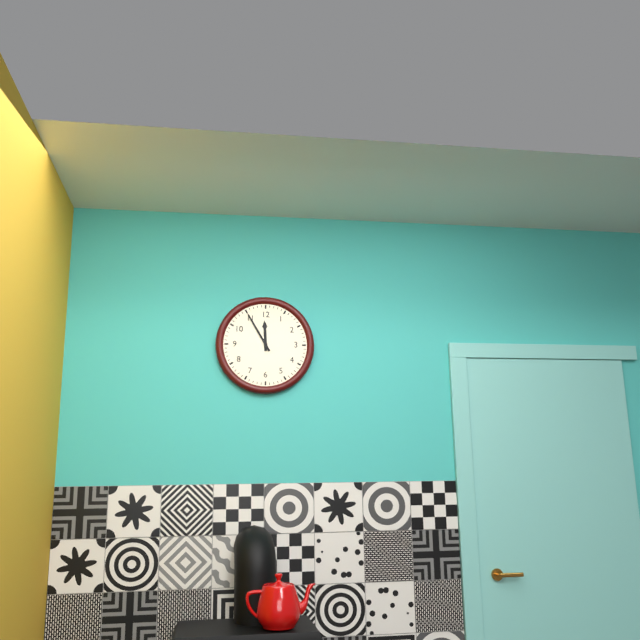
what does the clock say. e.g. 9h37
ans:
11h55
